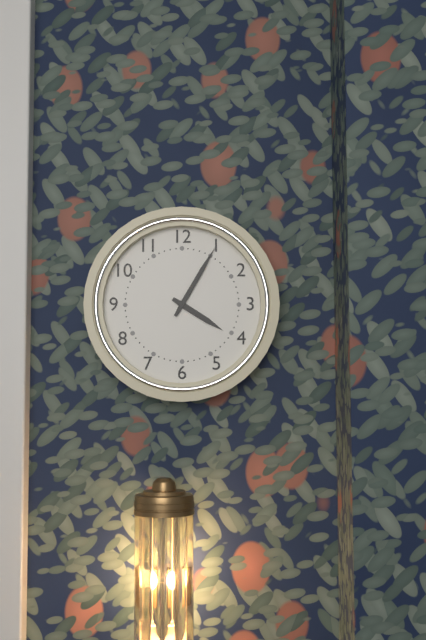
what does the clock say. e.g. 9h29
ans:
4h05
